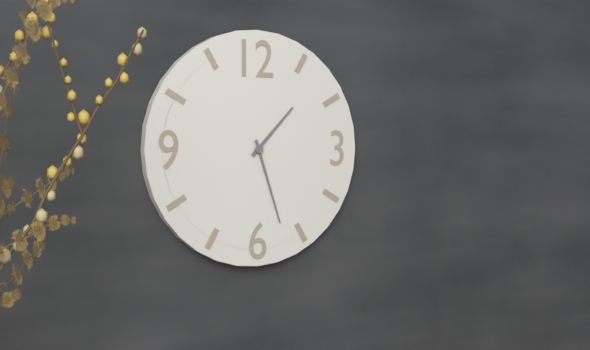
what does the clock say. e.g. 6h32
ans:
1h27
